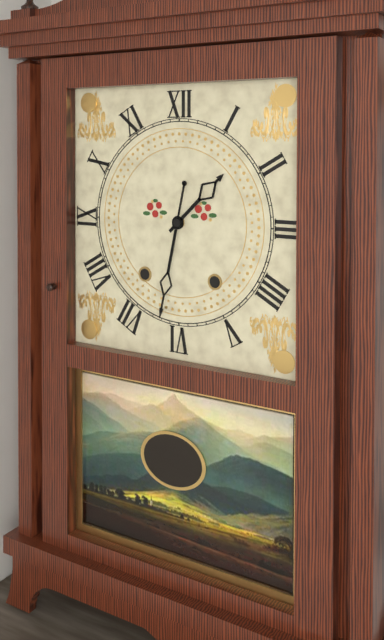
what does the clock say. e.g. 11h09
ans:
1h32
